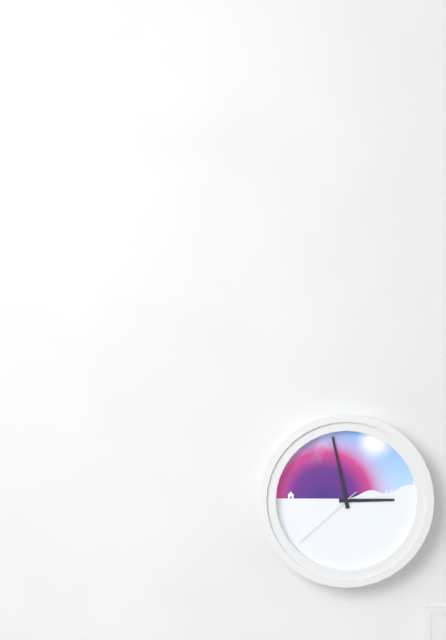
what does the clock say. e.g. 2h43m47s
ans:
2h58m38s
